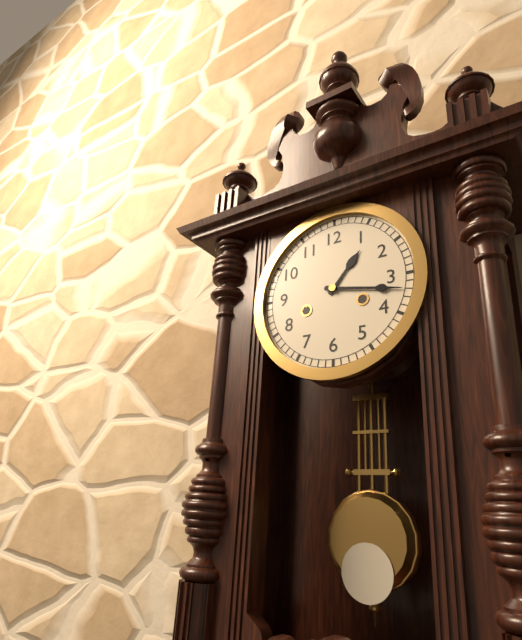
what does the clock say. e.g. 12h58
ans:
1h17
